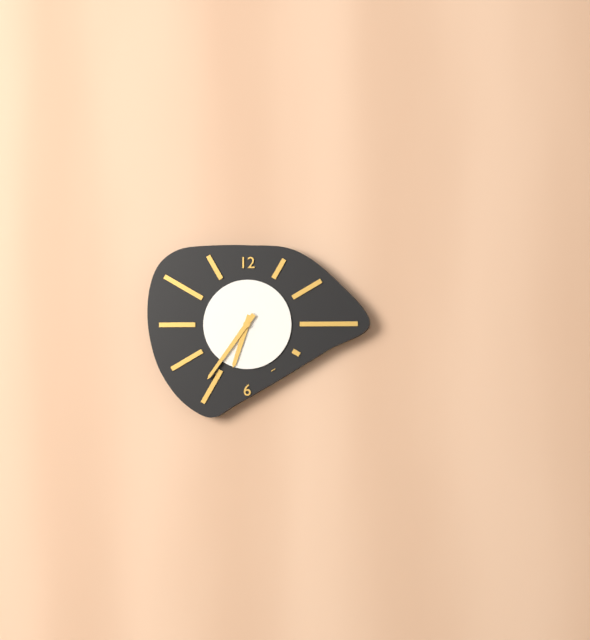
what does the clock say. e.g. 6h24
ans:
6h36
